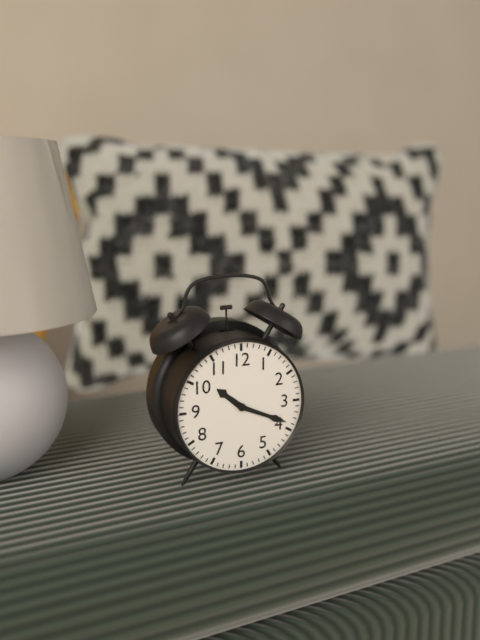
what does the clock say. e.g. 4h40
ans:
10h19
